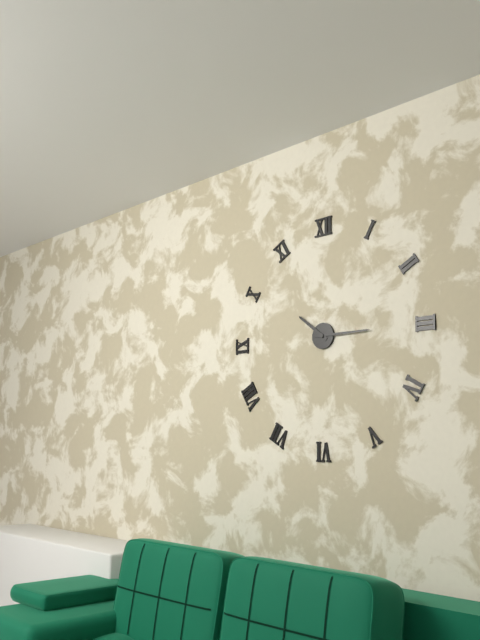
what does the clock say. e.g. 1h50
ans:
10h15
